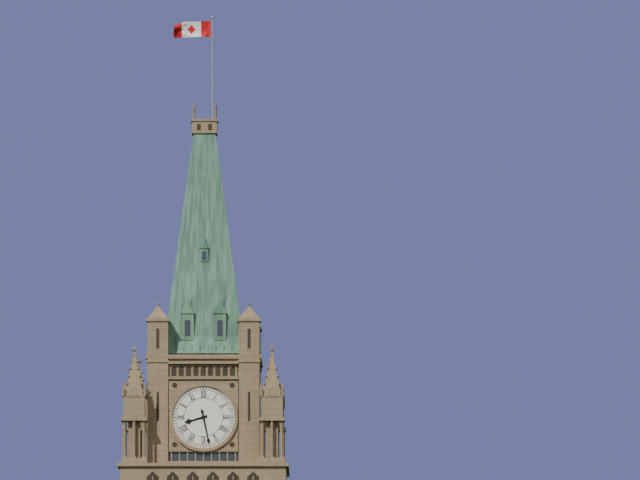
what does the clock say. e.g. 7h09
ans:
8h28
